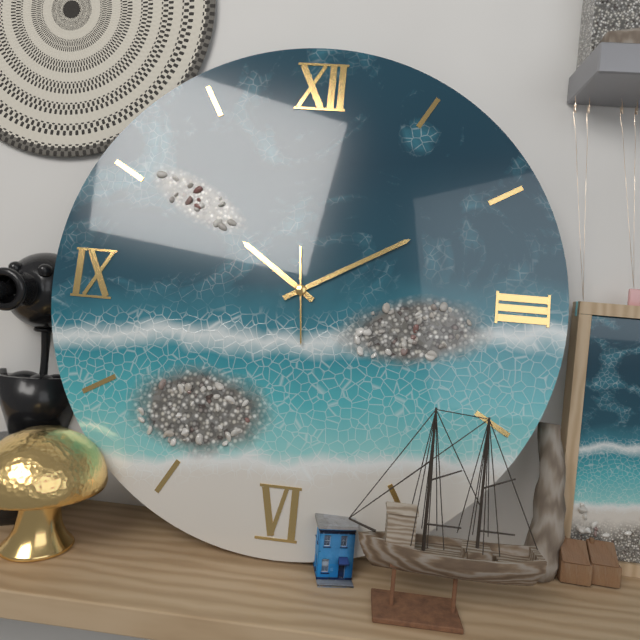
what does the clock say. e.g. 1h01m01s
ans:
10h10m29s
